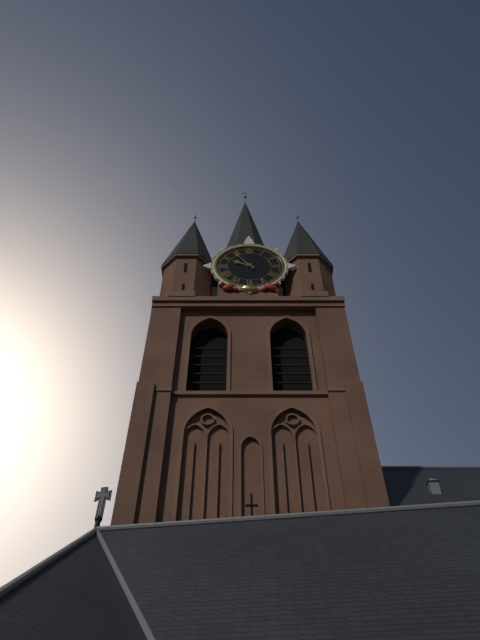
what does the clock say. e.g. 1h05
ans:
9h54
